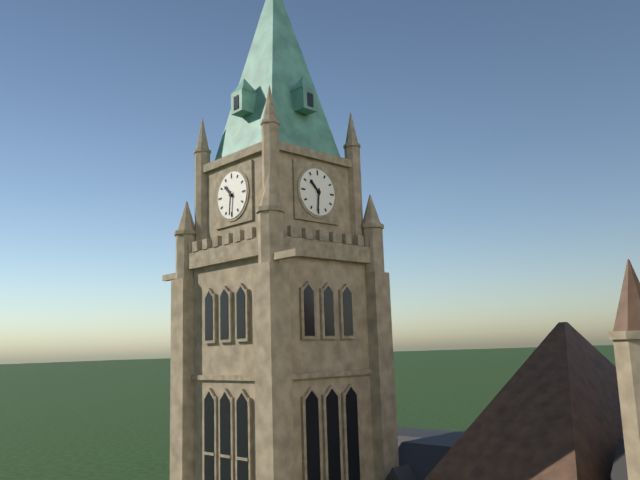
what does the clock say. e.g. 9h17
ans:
10h31
